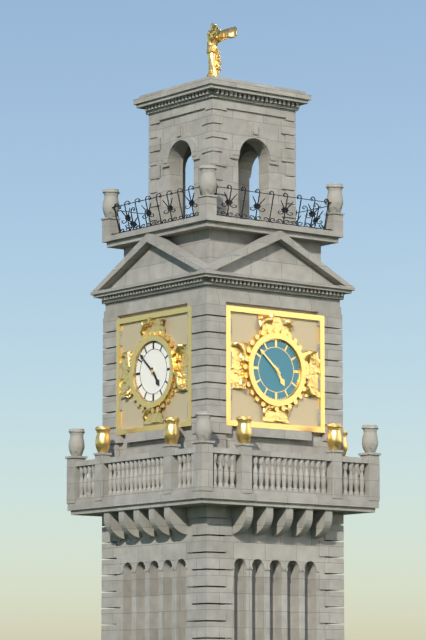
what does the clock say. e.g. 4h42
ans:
4h52
